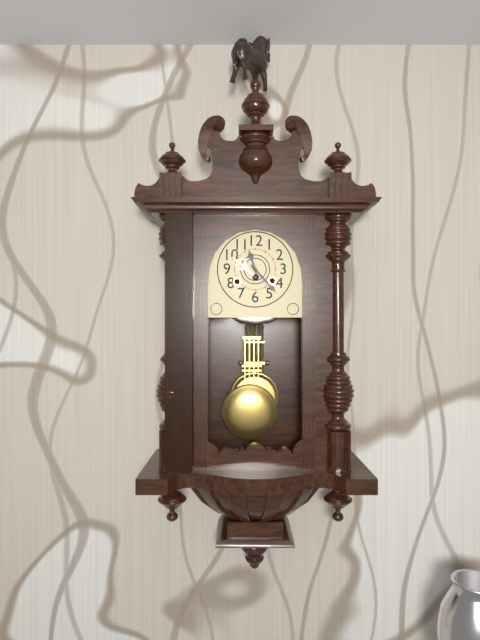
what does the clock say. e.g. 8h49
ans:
11h23
